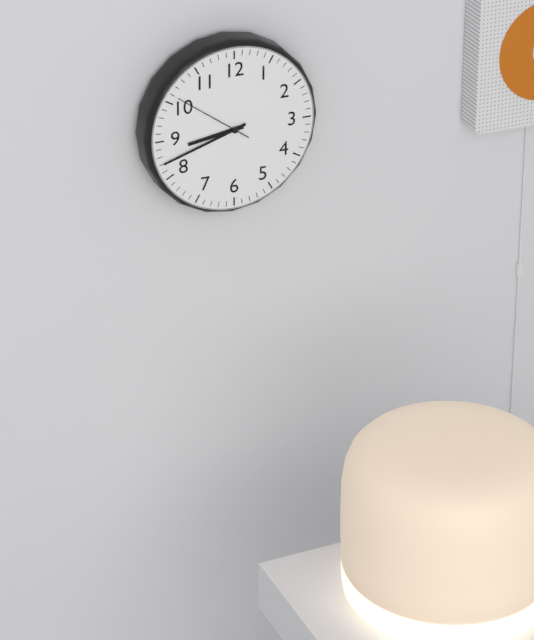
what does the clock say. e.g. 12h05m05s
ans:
8h42m51s
